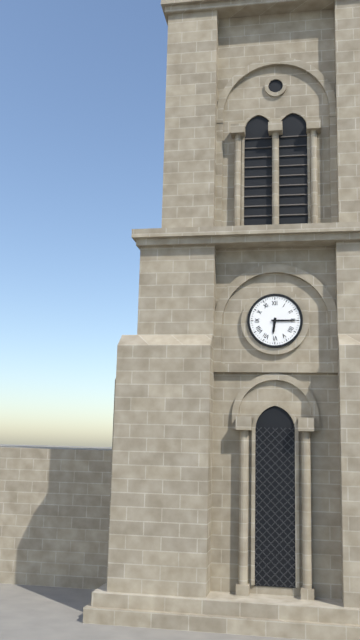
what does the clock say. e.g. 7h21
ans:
6h15
